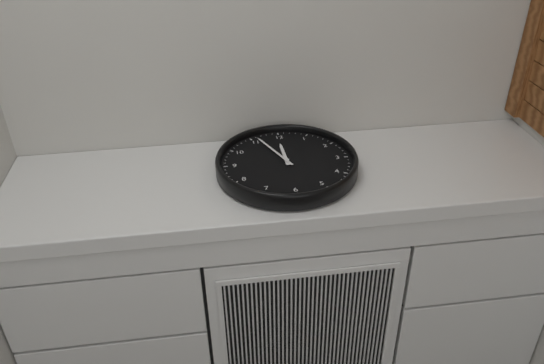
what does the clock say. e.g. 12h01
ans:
11h56
